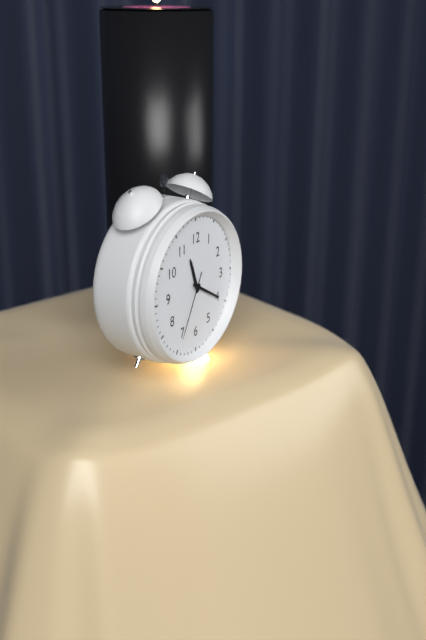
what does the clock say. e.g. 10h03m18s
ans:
11h20m35s
